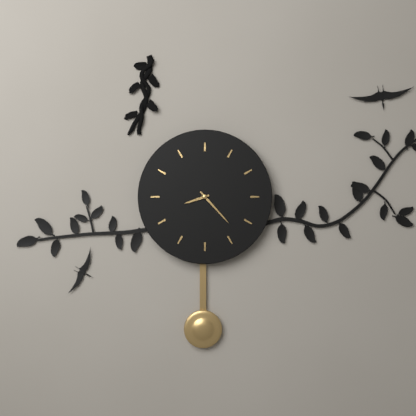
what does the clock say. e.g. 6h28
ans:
8h23
